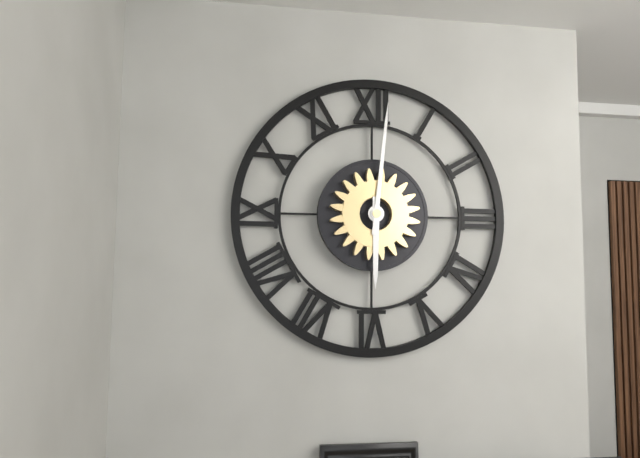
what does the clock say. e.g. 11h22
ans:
6h01
